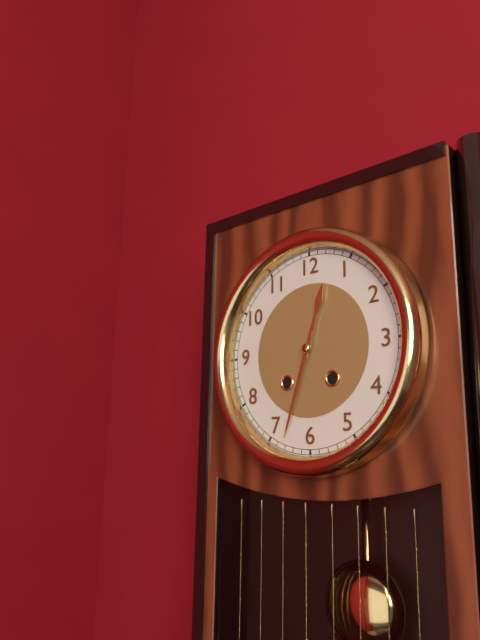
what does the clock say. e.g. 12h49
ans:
12h33
